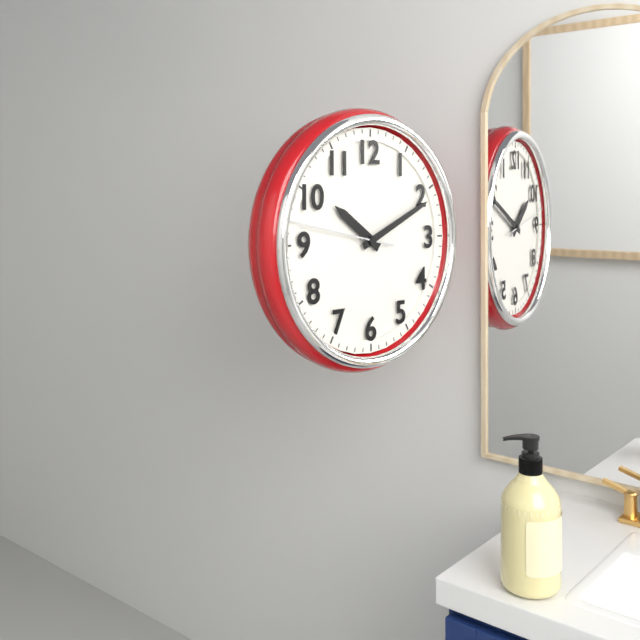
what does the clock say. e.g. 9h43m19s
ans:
10h11m47s
